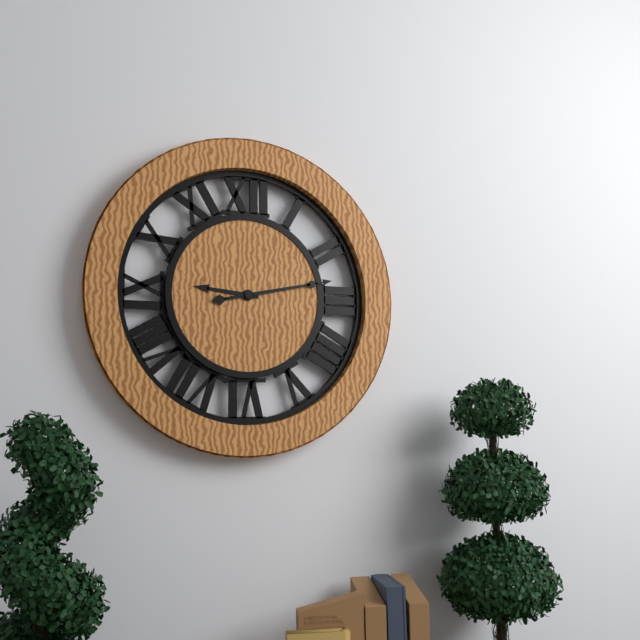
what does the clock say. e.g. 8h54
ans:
9h13
